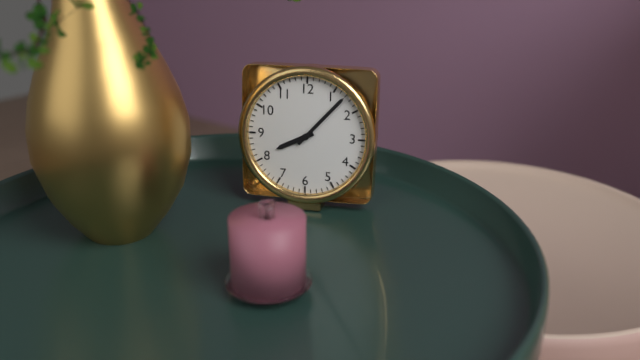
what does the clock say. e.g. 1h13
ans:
8h07
